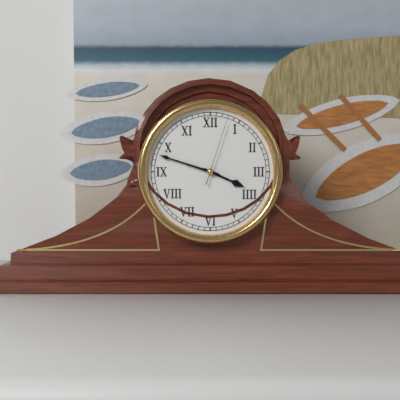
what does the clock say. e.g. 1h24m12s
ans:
3h48m03s
